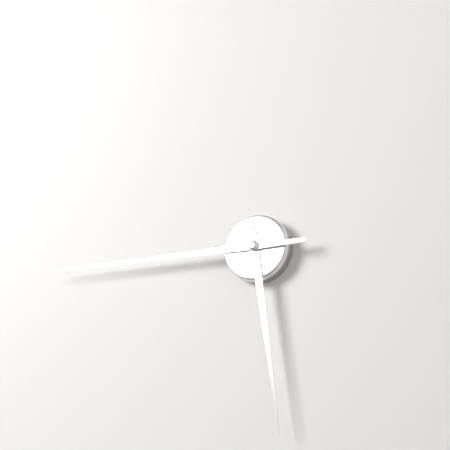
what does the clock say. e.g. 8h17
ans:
5h45
